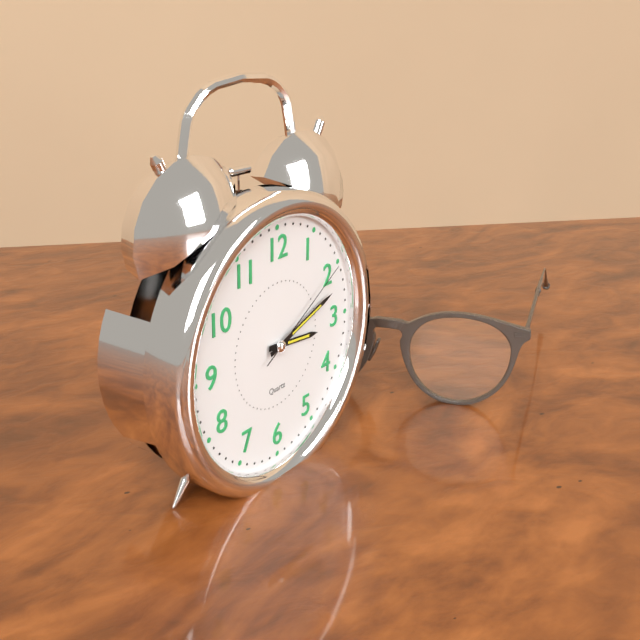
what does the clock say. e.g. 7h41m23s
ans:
3h12m10s
